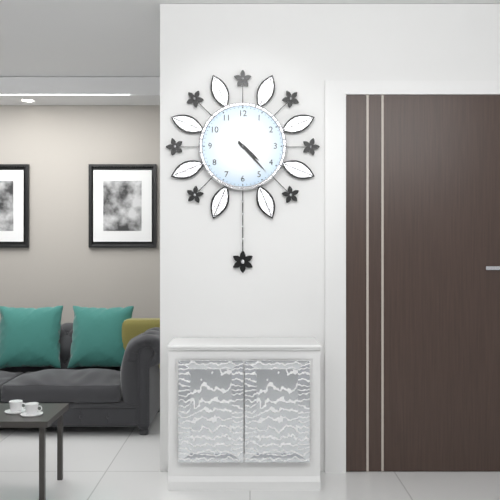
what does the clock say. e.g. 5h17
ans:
4h23
